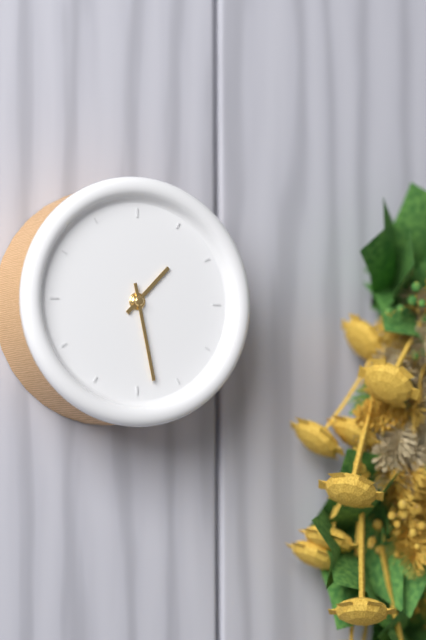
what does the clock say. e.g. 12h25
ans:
1h28
